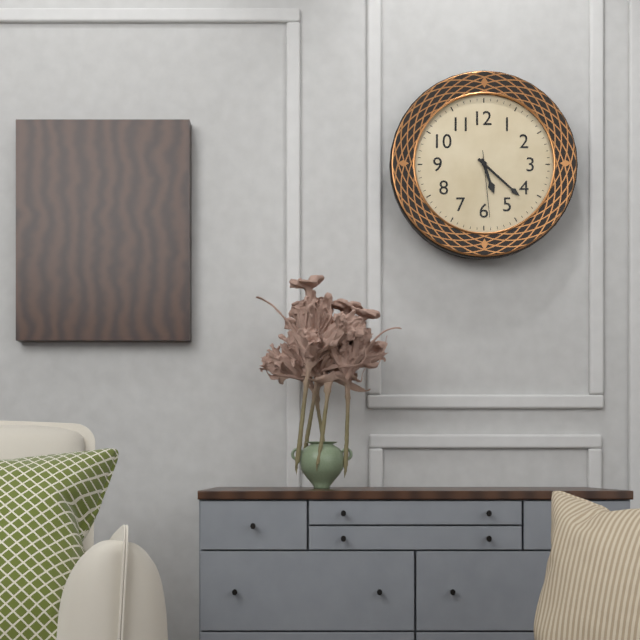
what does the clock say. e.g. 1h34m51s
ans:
5h22m29s
